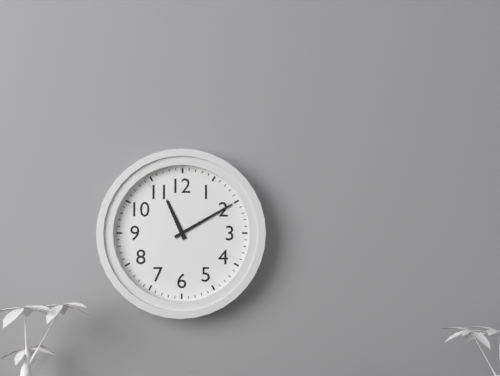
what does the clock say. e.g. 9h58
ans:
11h10
